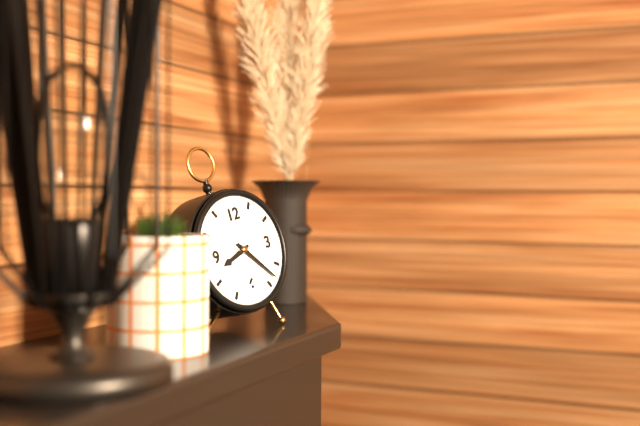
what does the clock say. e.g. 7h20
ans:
8h23
